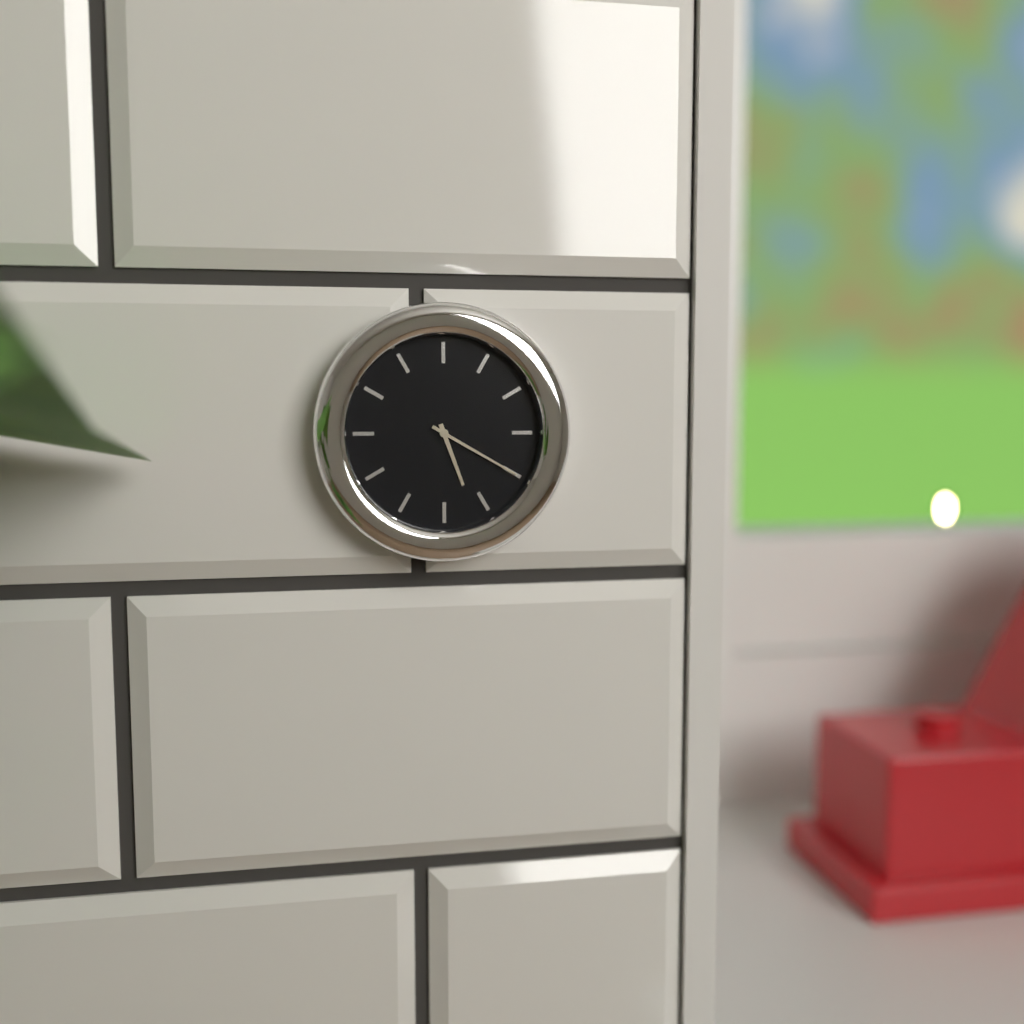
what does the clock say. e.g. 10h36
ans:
5h20
